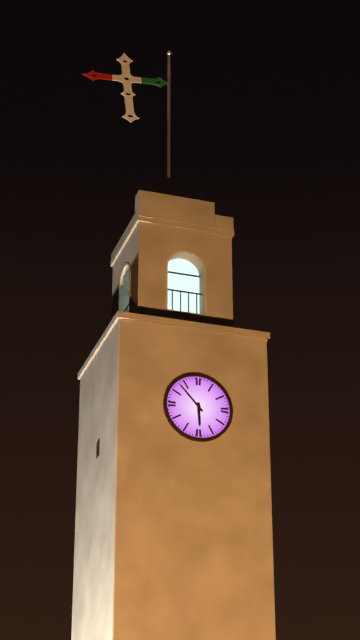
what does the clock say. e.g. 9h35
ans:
5h53
